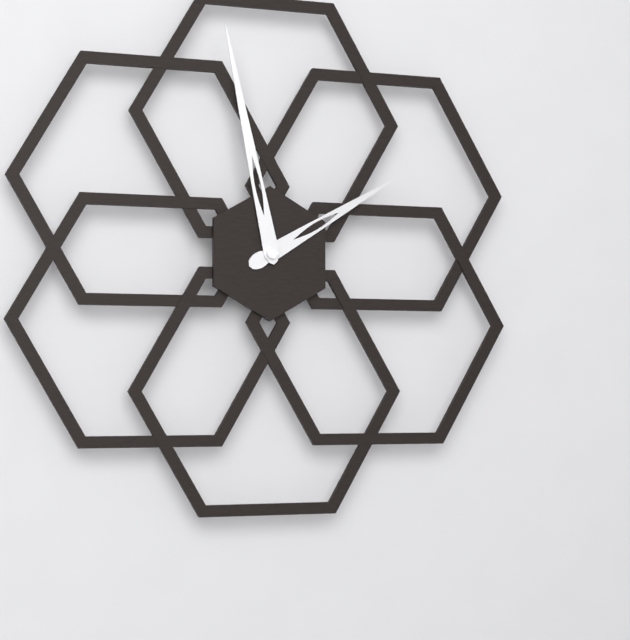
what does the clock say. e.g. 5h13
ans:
1h58
